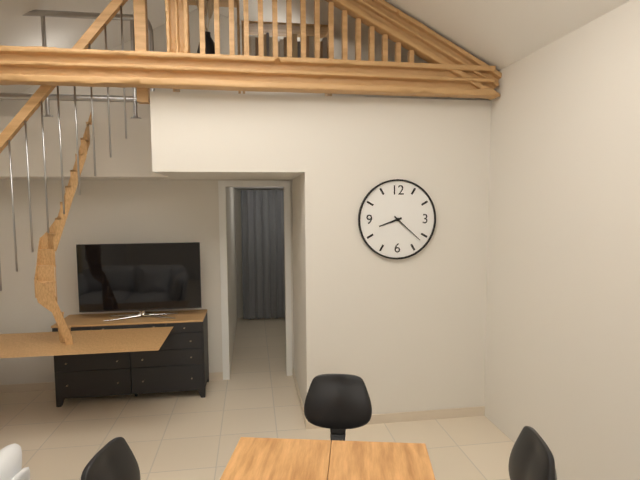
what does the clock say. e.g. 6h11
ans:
8h22
